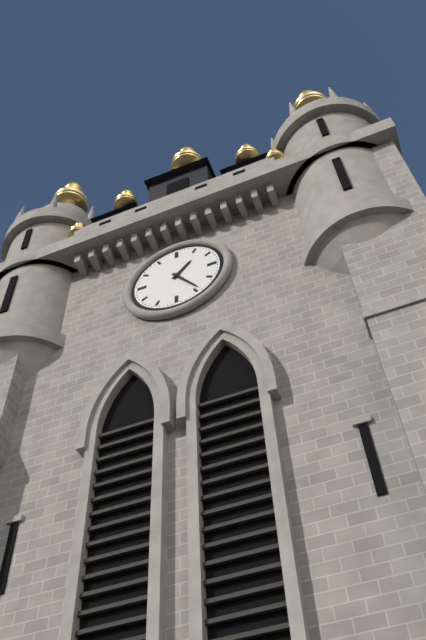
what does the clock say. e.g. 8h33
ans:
1h24
